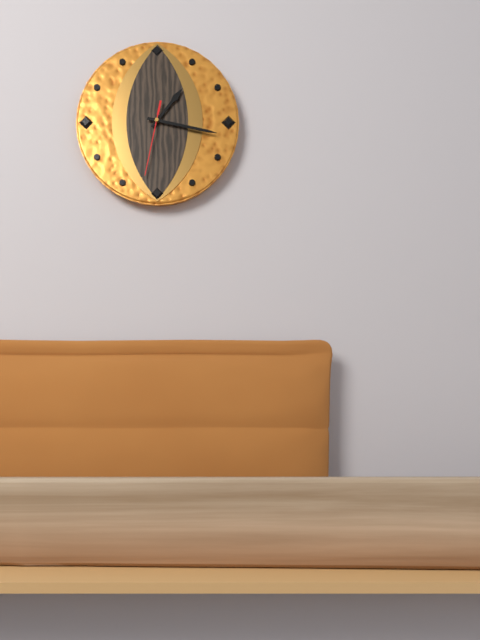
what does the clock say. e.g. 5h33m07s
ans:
1h17m32s
